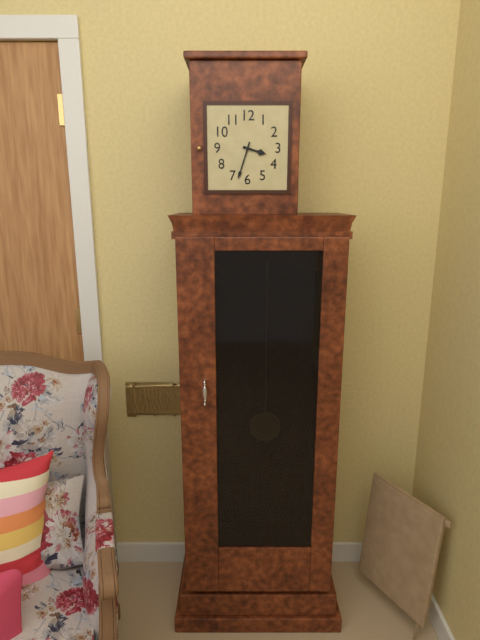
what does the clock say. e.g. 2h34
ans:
3h33
